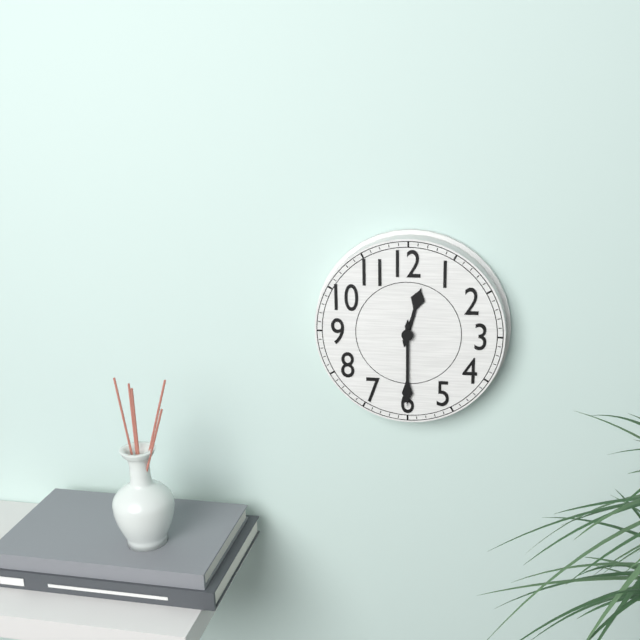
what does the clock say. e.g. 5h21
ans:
12h30
